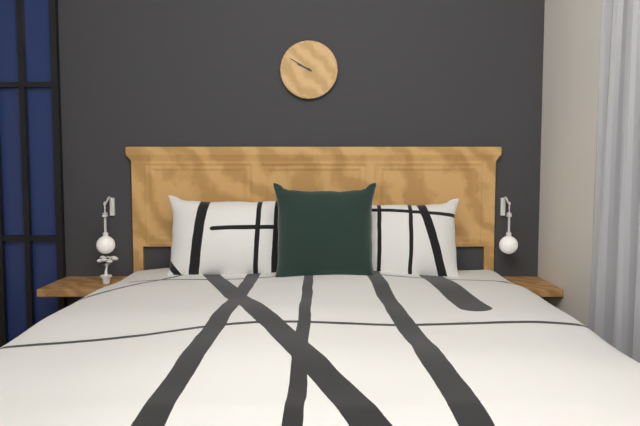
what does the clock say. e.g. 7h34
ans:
9h50
